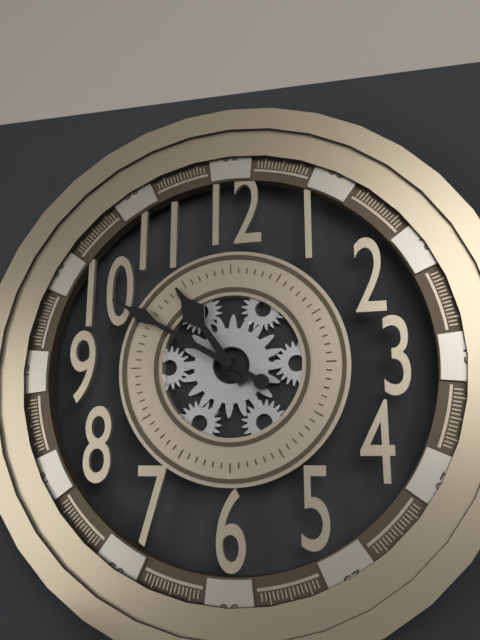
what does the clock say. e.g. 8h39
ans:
10h50
